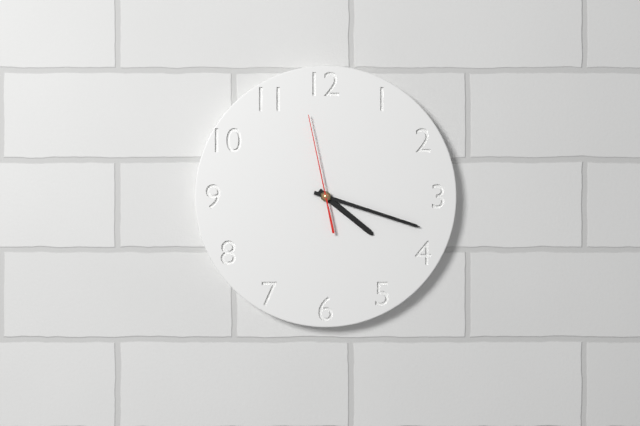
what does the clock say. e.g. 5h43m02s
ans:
4h18m58s
